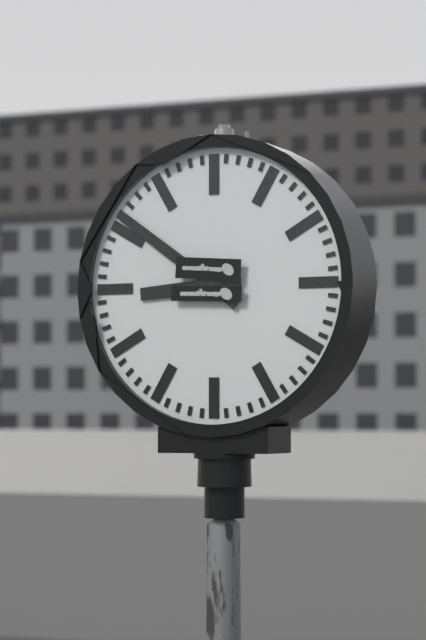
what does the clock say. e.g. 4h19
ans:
8h51
